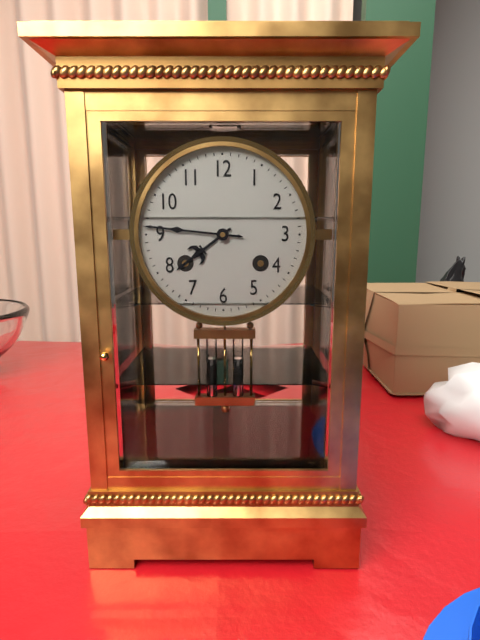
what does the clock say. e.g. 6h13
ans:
7h46
